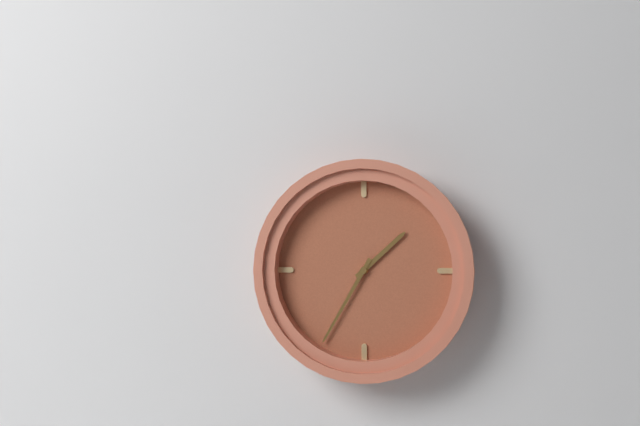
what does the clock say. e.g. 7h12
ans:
1h35
